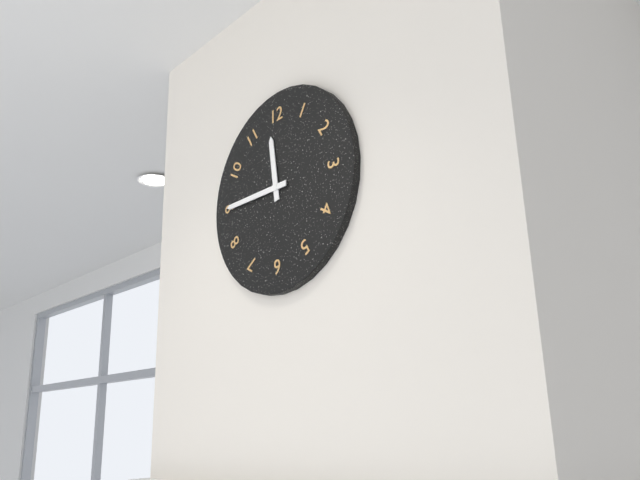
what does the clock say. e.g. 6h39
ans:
11h45
